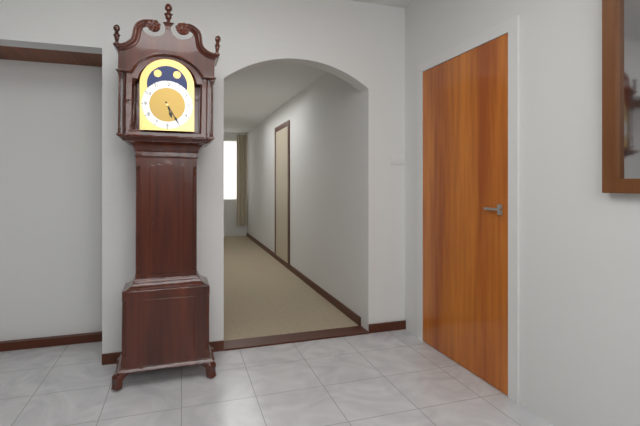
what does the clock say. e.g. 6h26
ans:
5h25
